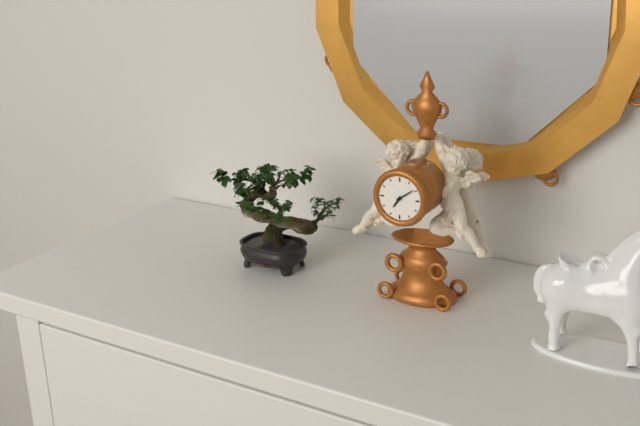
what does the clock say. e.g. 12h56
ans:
7h09
